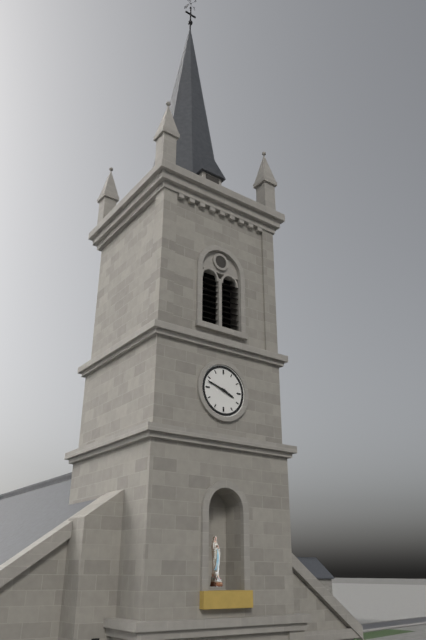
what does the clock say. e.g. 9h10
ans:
3h48
